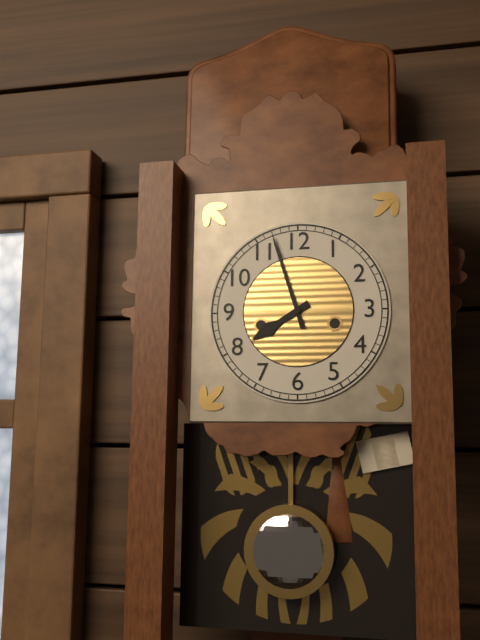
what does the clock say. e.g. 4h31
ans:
7h57
